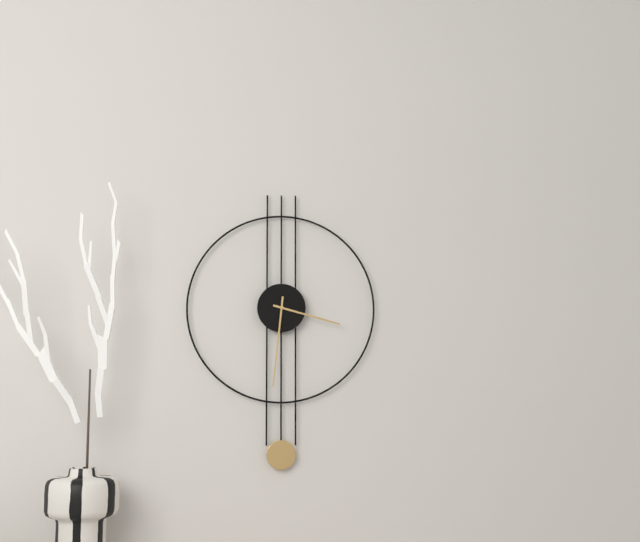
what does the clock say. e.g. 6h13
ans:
3h31
